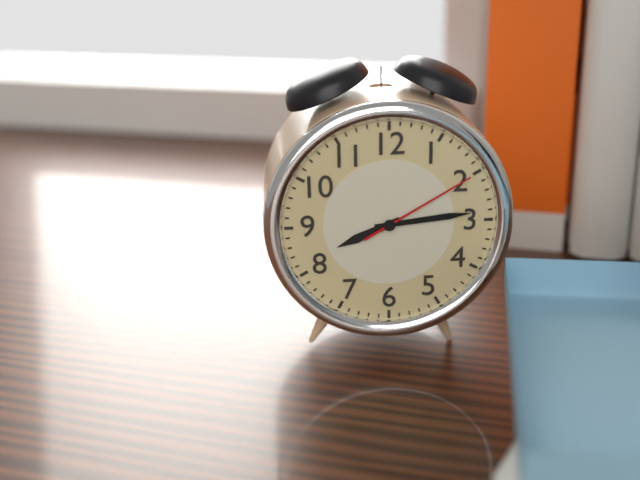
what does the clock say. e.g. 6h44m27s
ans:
8h14m10s
